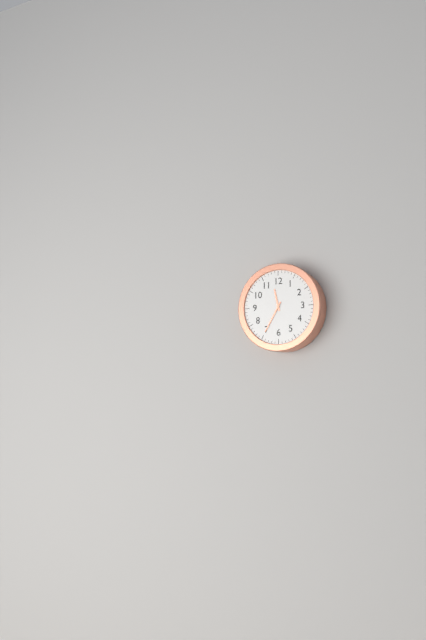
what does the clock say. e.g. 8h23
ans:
11h35
